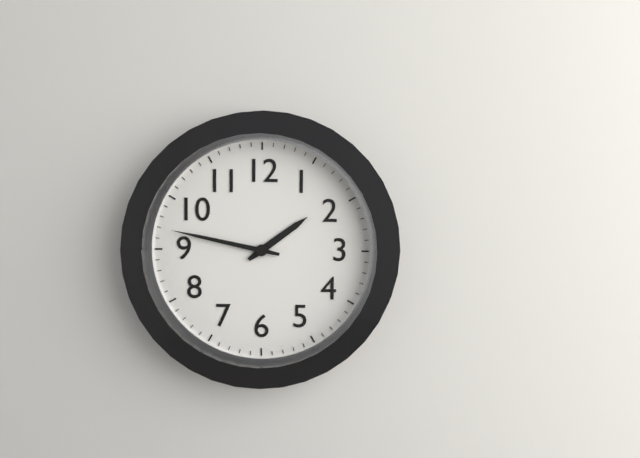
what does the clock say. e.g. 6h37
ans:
1h47
